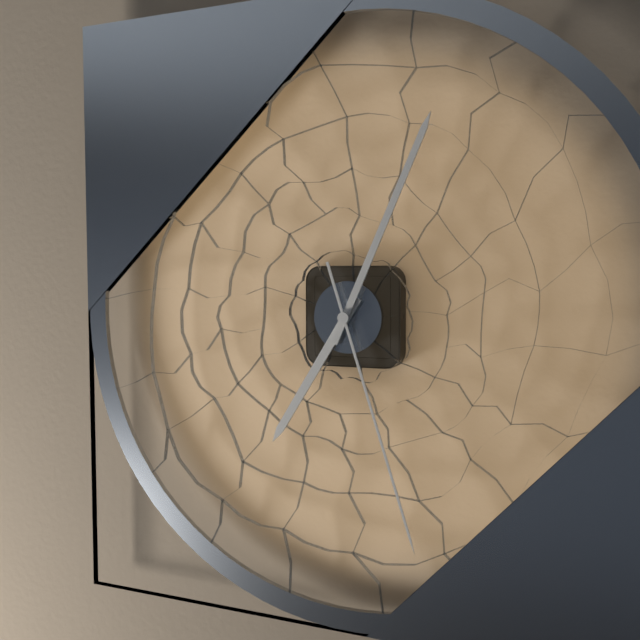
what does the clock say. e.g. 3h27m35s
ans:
7h04m27s
